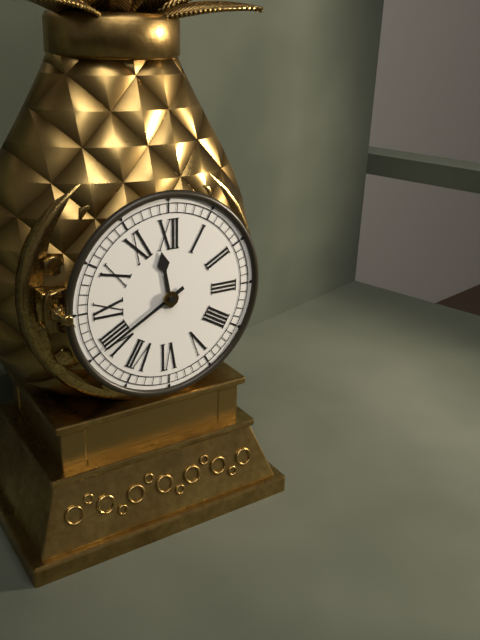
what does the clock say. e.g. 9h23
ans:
11h40
